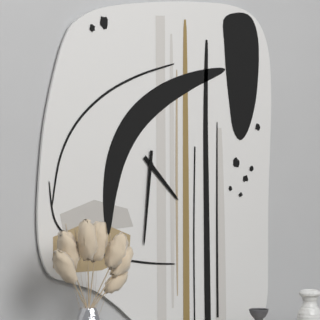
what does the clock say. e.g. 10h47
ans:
4h31
